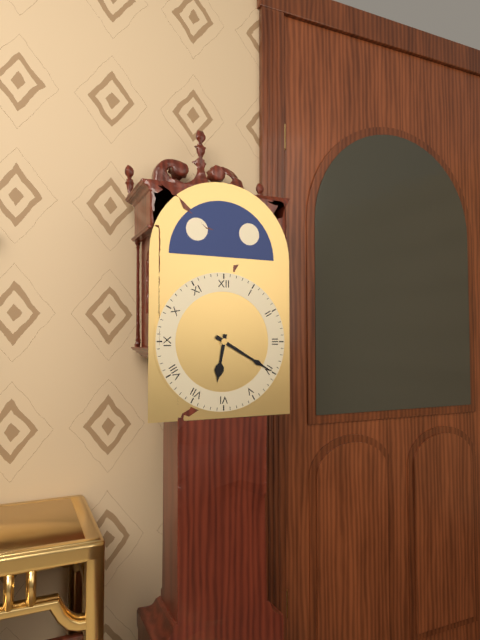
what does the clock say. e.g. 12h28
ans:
6h20
